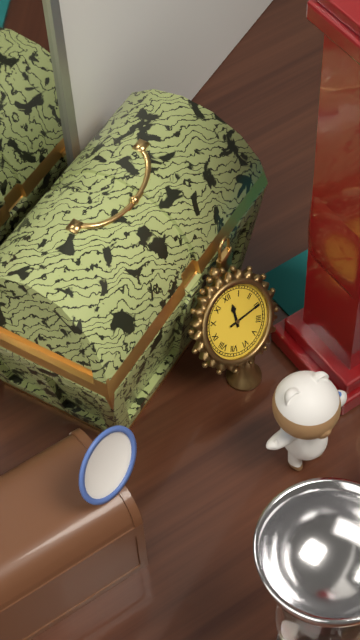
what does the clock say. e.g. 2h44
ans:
12h15
